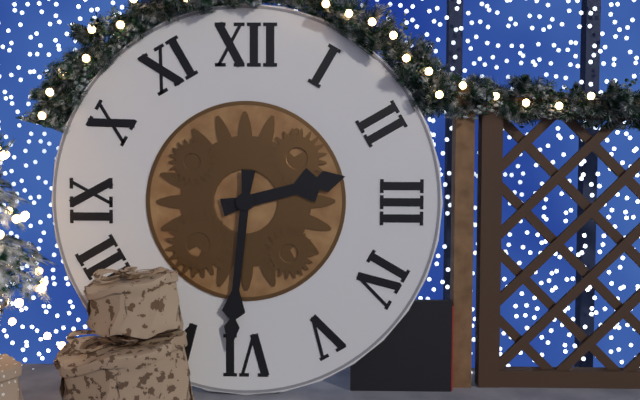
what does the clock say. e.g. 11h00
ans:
2h31
